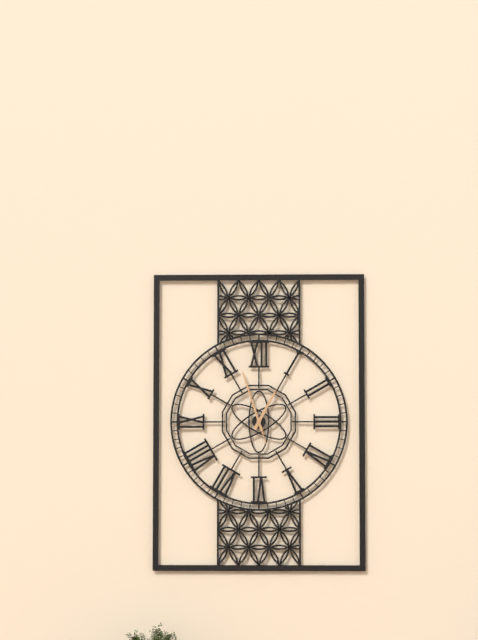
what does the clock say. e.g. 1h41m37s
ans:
12h57m57s
